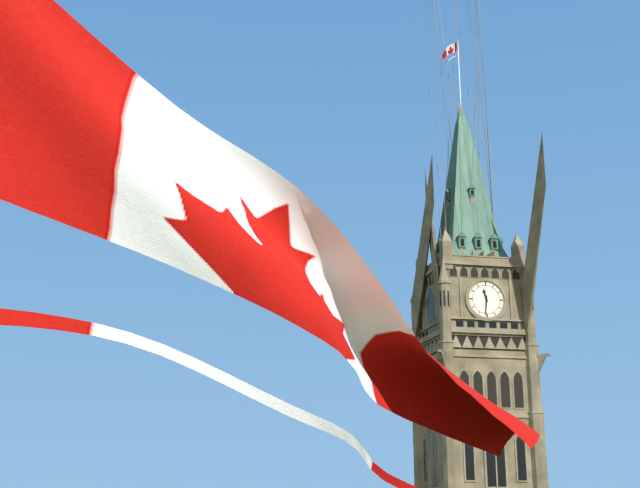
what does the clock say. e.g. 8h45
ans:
11h31
